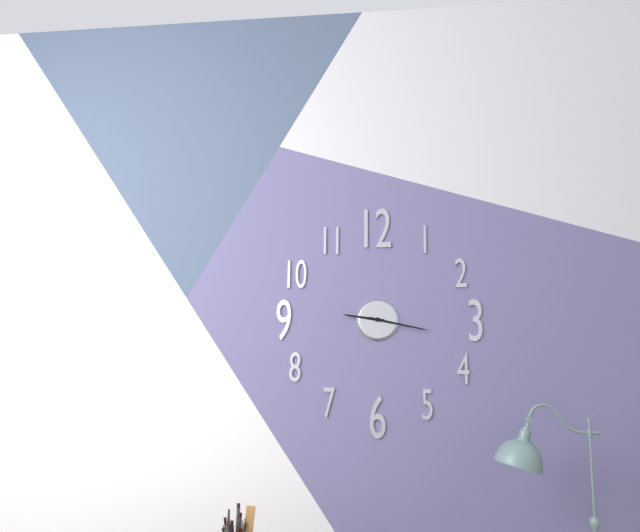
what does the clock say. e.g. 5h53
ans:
9h17
